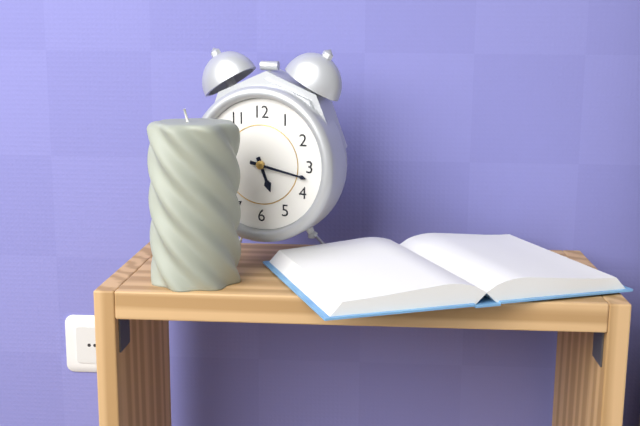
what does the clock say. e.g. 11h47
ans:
5h17
